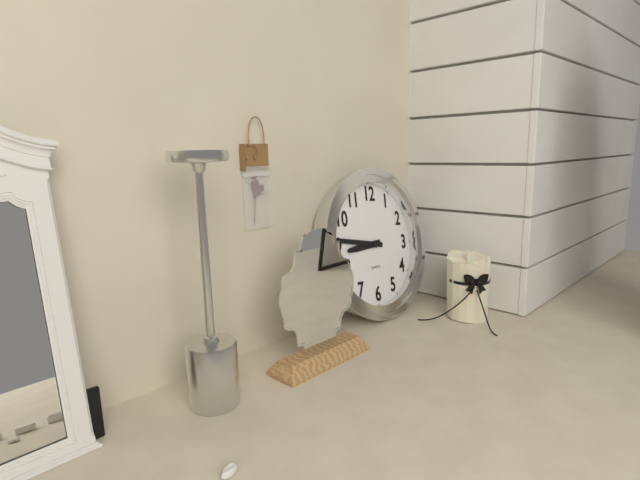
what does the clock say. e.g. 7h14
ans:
8h46
